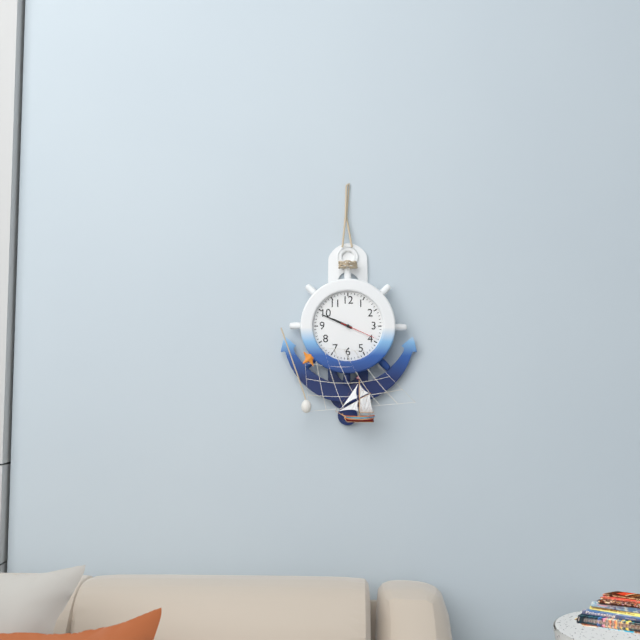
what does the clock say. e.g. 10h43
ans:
9h49
